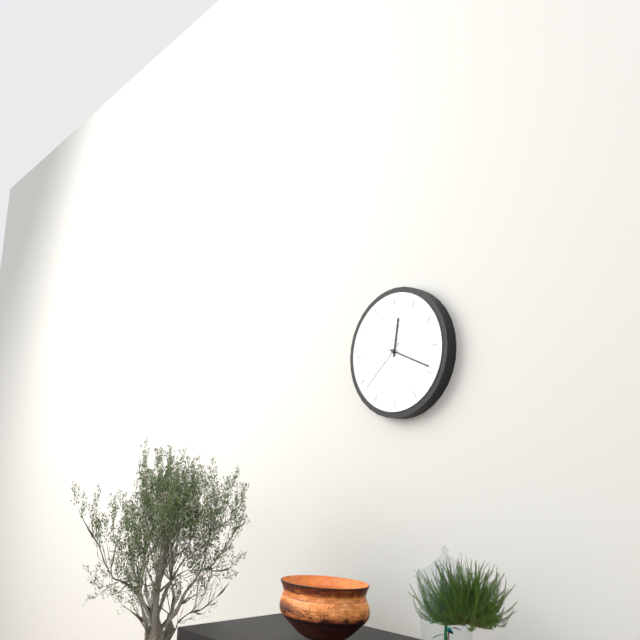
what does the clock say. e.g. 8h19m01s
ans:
12h19m38s
